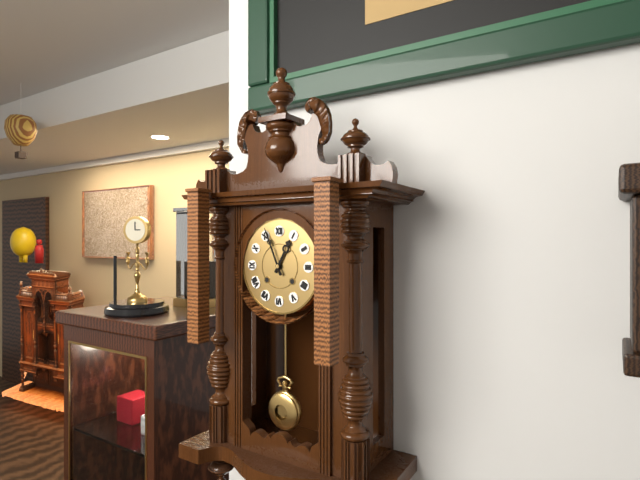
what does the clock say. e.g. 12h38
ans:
12h56
